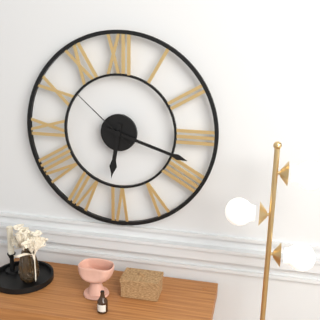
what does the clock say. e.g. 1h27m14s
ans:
6h18m52s
